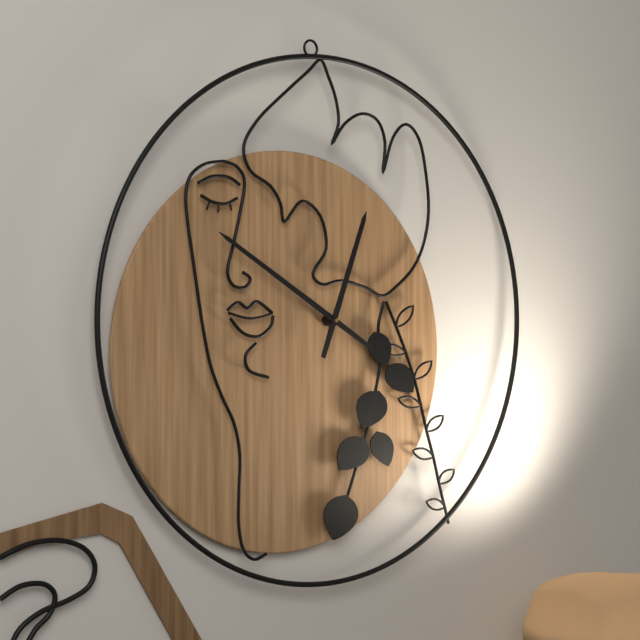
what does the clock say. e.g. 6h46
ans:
12h51
